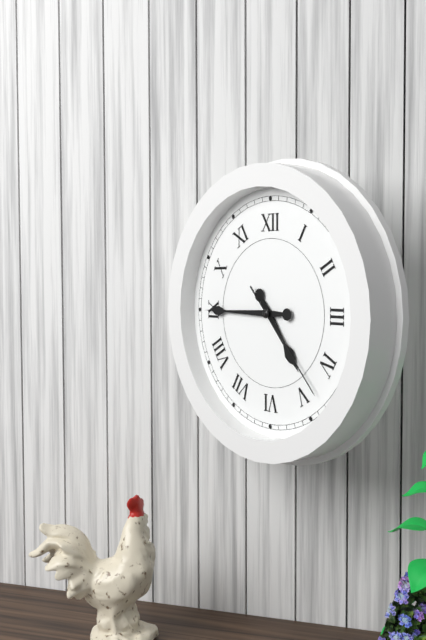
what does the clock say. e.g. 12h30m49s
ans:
4h45m23s
